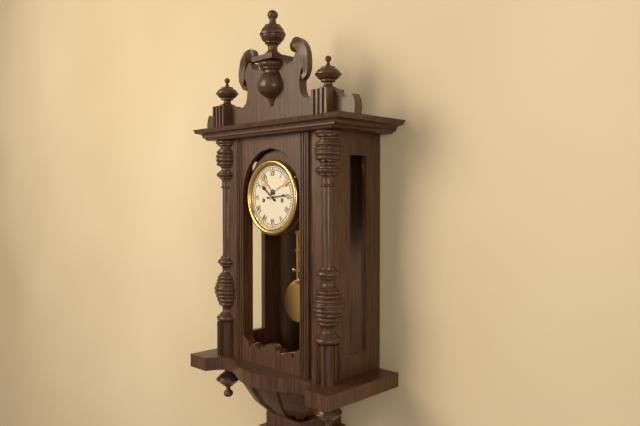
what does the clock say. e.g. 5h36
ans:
10h14
